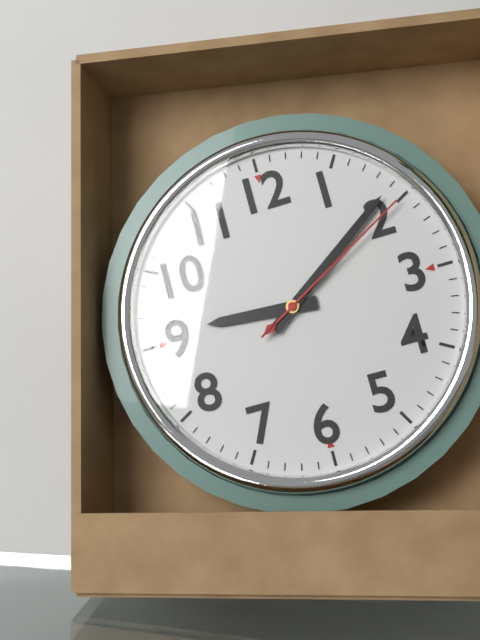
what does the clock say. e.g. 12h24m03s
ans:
9h09m10s
